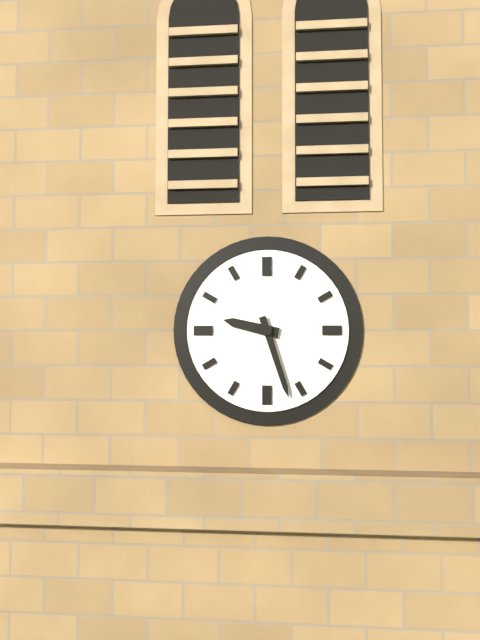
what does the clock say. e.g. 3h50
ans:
9h27
